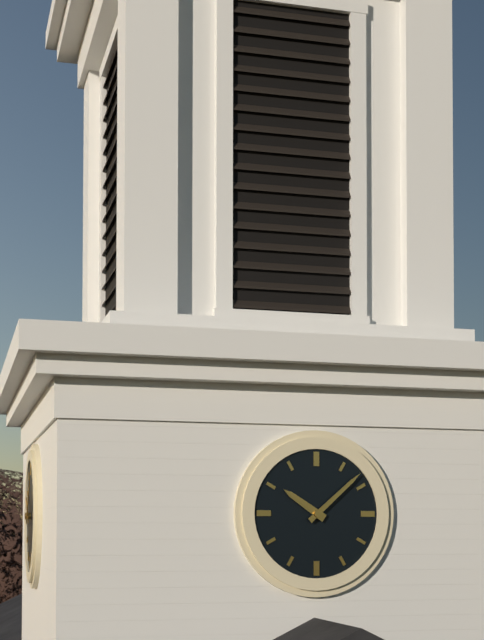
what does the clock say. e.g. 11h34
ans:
10h08
